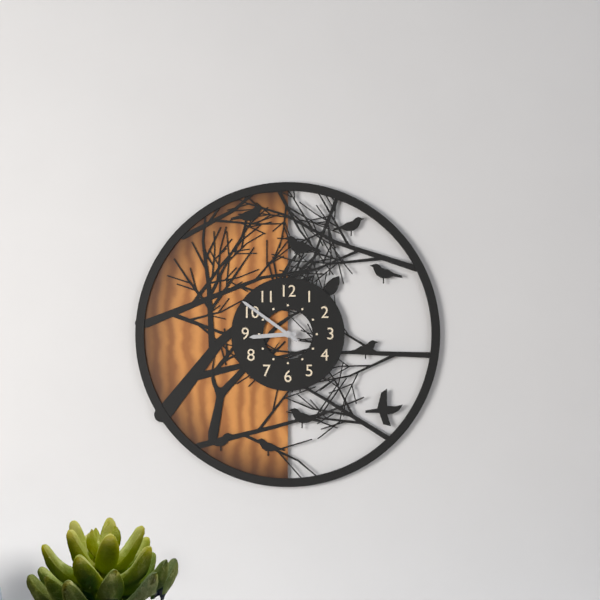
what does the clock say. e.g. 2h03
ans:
8h51
